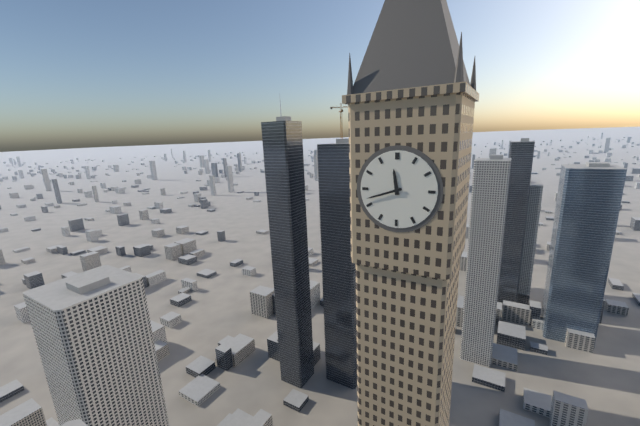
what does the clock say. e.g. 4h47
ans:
11h42
